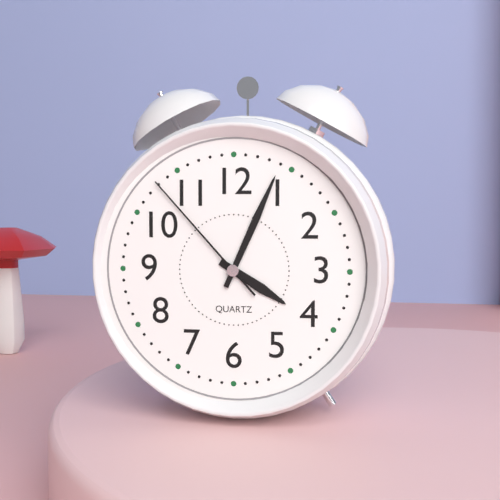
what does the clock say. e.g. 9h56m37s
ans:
4h04m53s
